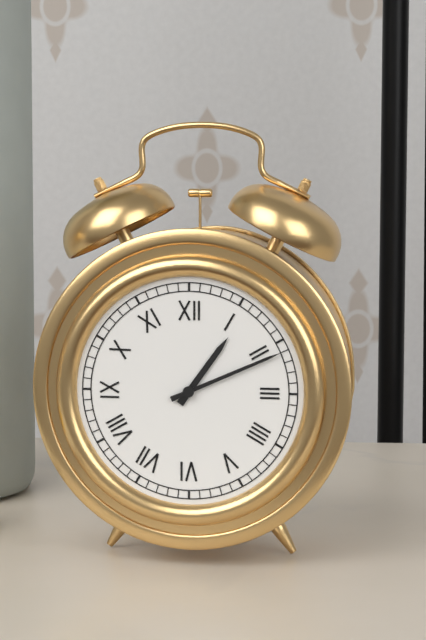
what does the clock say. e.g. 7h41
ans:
1h11
